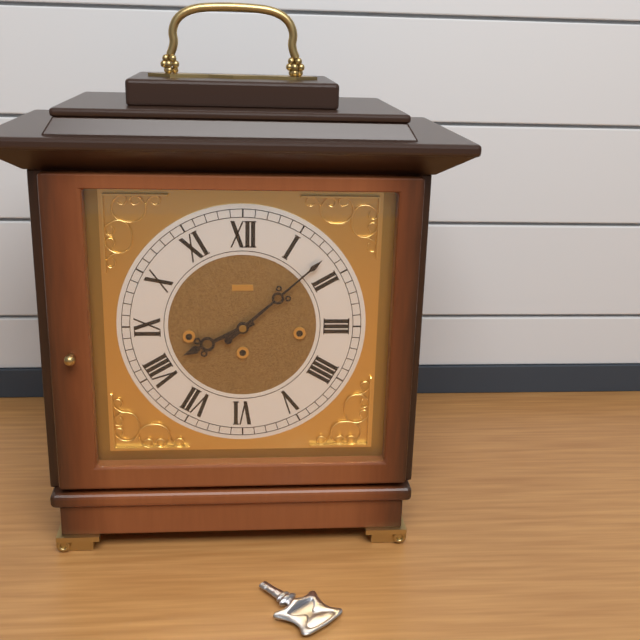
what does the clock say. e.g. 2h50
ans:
8h08
